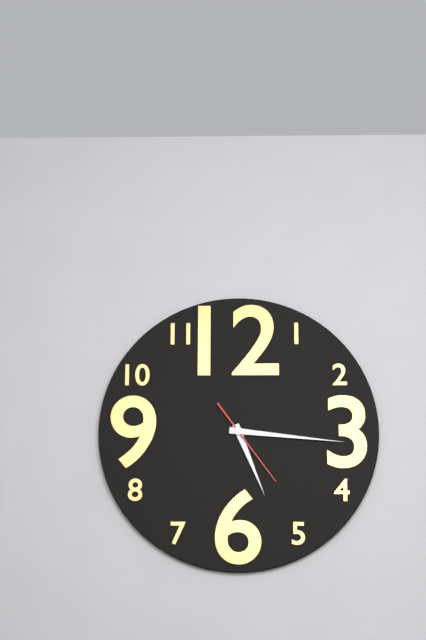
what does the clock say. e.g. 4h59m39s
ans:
5h16m24s
